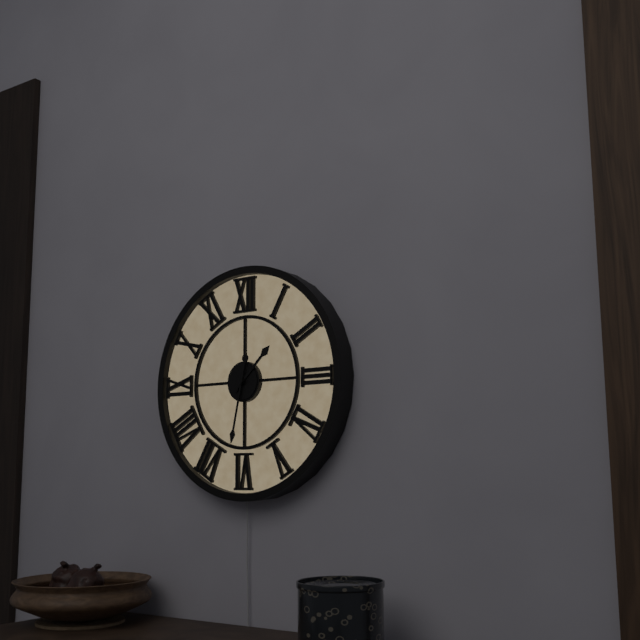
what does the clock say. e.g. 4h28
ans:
1h32
